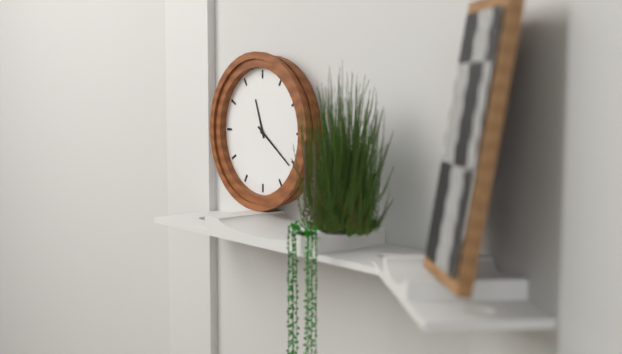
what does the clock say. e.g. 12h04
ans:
11h21
